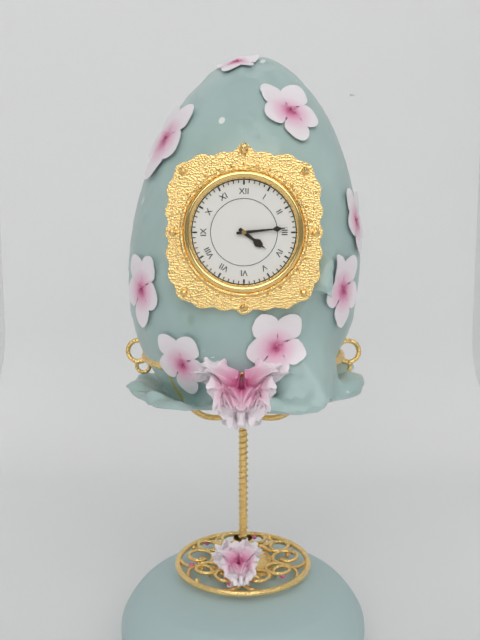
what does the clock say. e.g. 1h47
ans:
4h14
